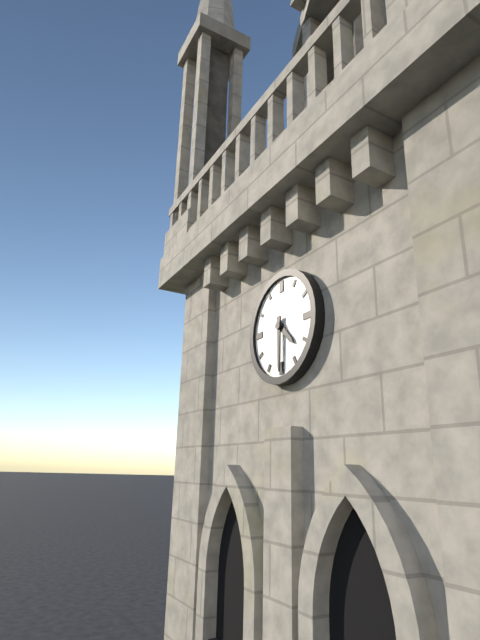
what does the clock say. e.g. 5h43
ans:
4h30
